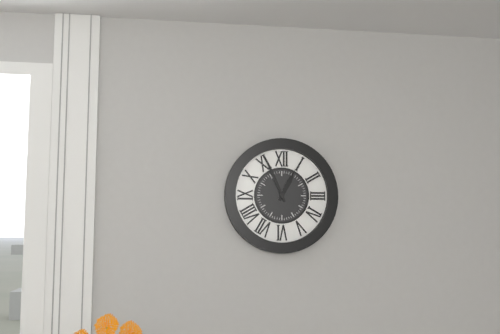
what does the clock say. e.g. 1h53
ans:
12h56
